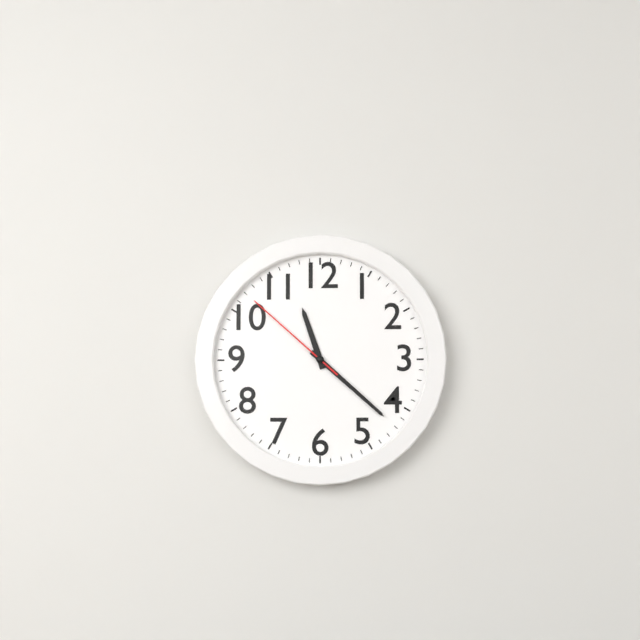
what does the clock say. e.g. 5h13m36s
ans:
11h22m52s
